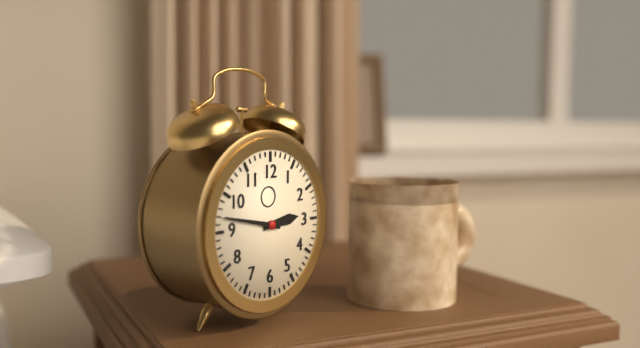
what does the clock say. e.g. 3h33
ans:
2h47
